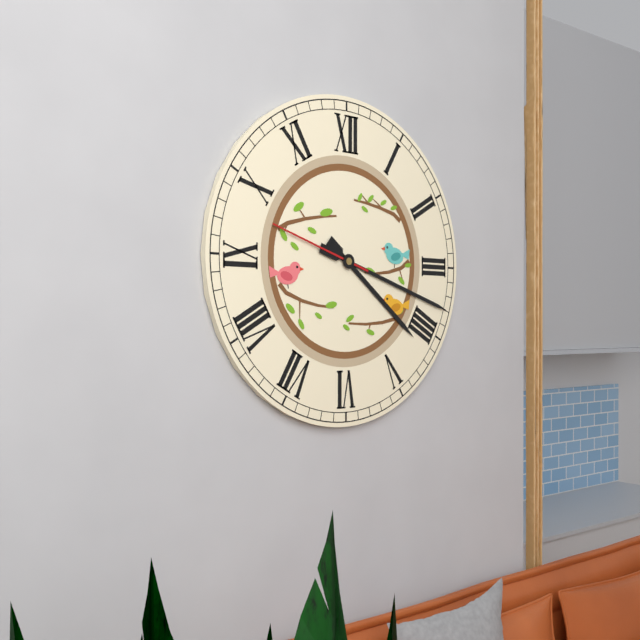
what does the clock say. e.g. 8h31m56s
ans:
4h18m48s
